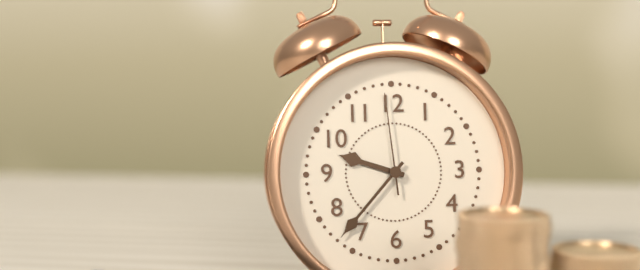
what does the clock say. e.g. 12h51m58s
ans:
9h37m59s
